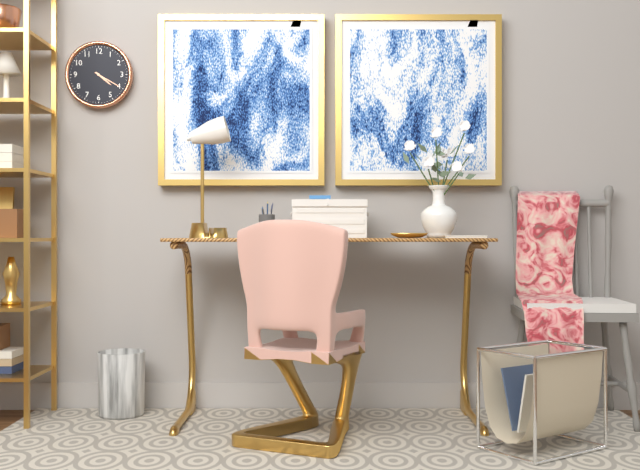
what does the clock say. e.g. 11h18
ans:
4h20
